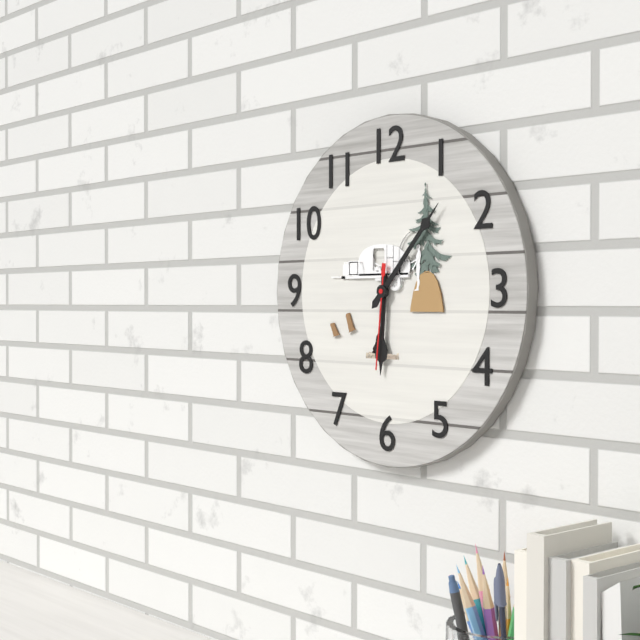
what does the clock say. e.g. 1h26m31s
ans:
6h07m31s
